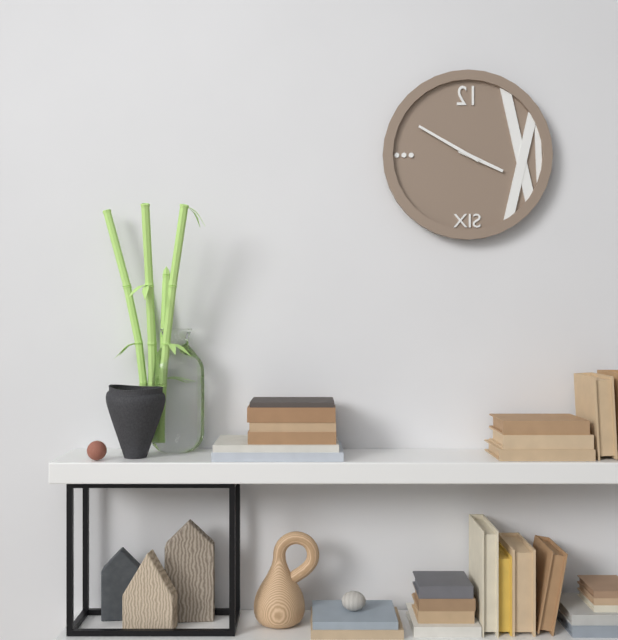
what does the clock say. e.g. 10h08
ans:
3h50
